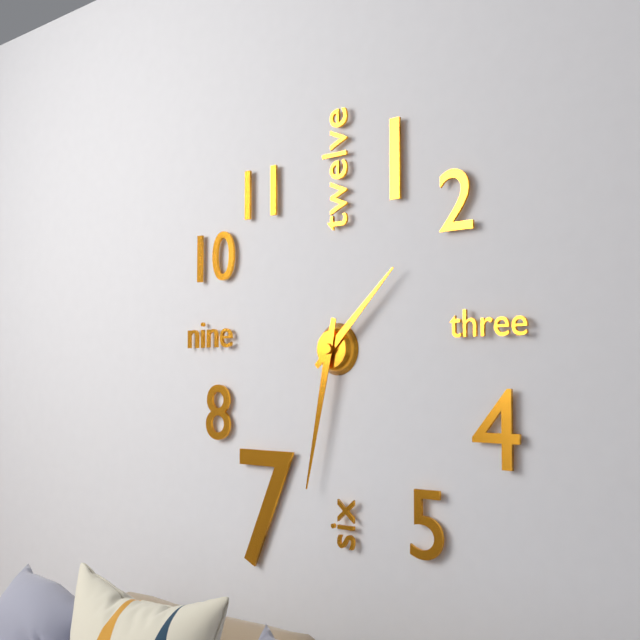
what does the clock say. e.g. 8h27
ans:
1h32
